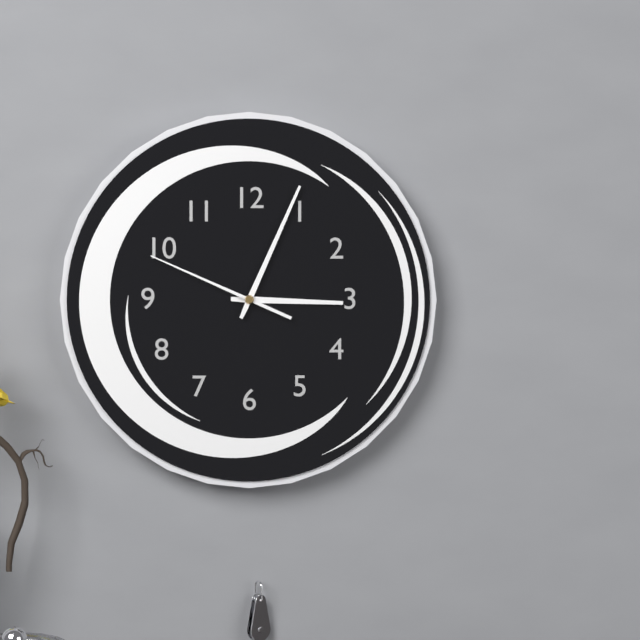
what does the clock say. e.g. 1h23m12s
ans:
3h04m49s
